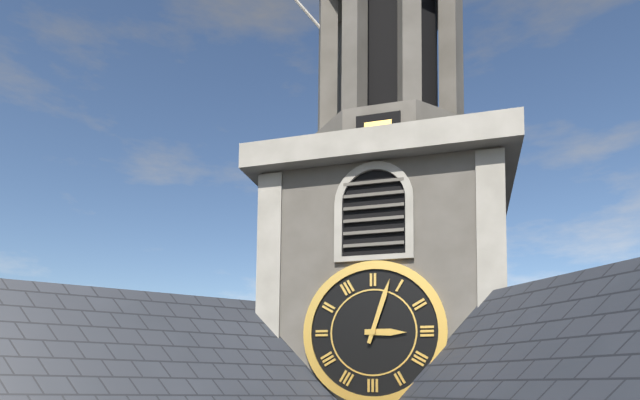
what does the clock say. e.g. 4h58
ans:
3h03
